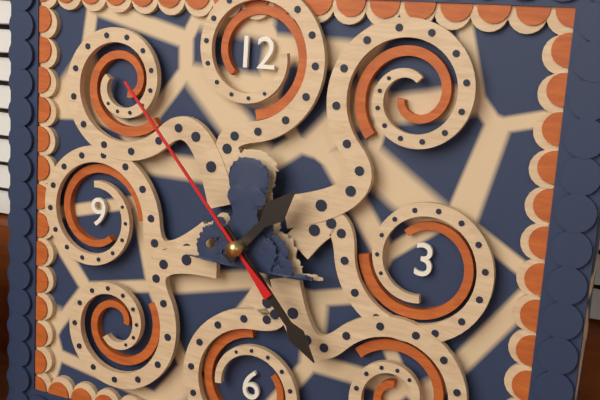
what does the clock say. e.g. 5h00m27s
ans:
1h23m53s
